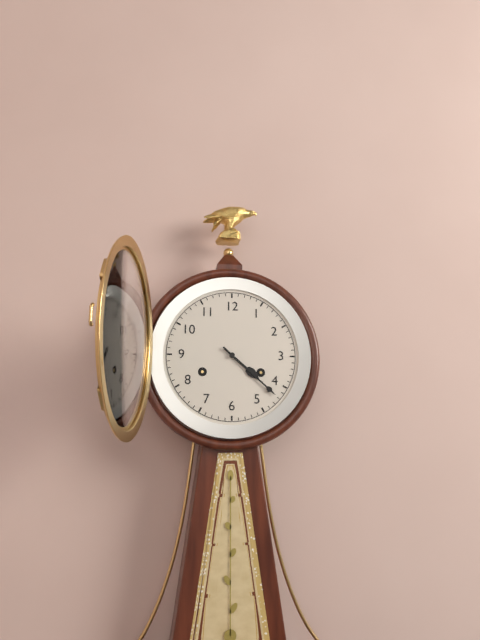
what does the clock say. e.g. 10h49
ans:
4h22
